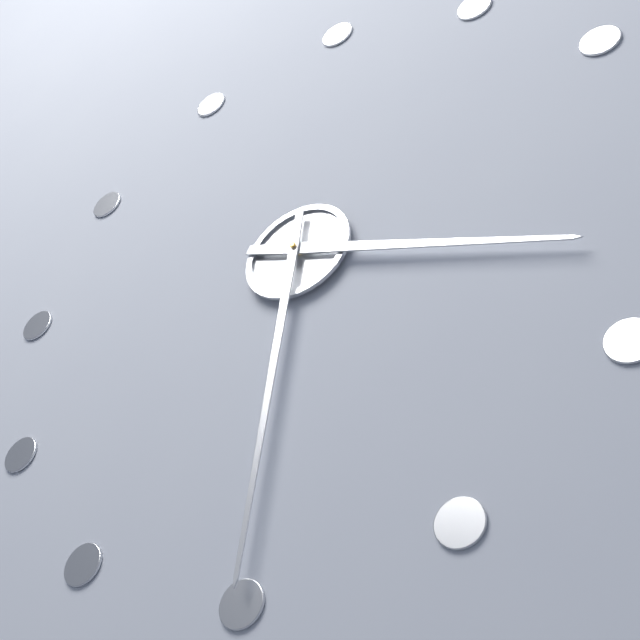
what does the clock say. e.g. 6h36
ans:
3h30
